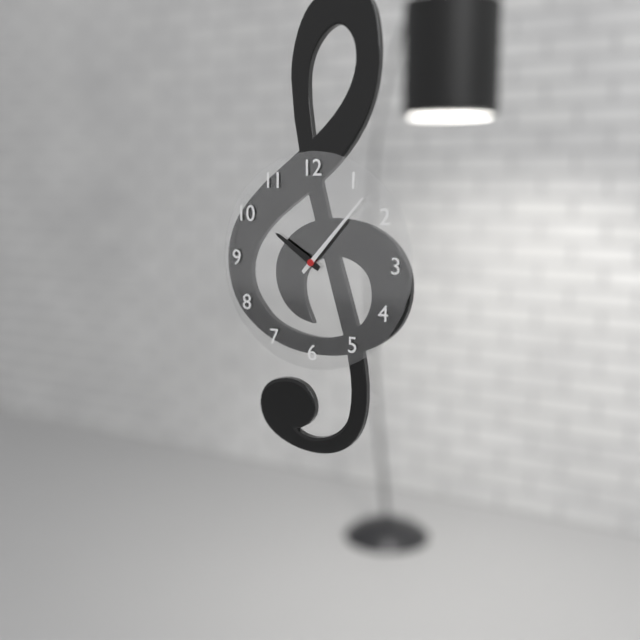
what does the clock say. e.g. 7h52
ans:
10h07
